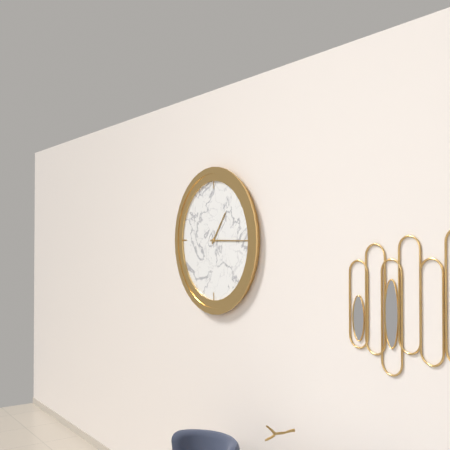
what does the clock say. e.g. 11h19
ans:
1h15
